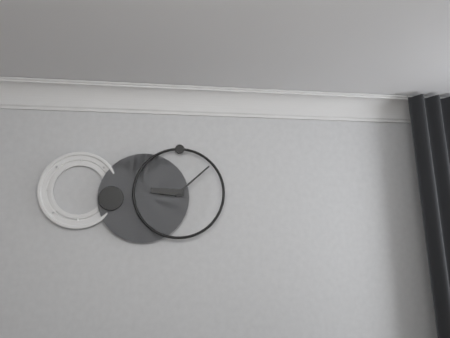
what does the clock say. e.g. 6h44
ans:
9h08
